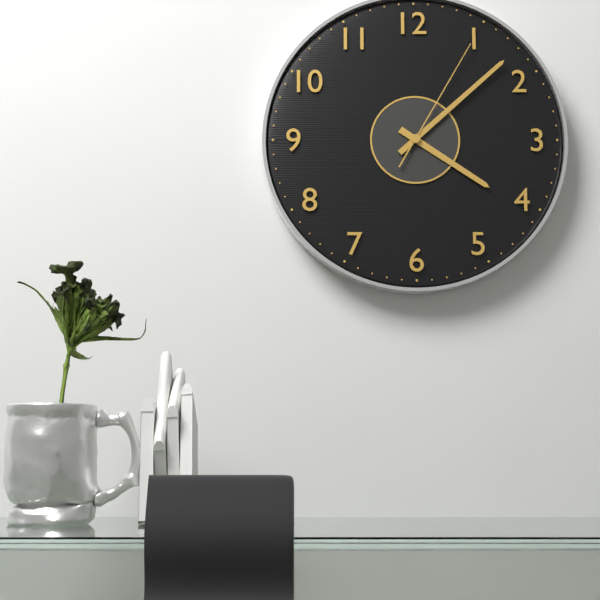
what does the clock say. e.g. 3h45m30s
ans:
4h08m05s
